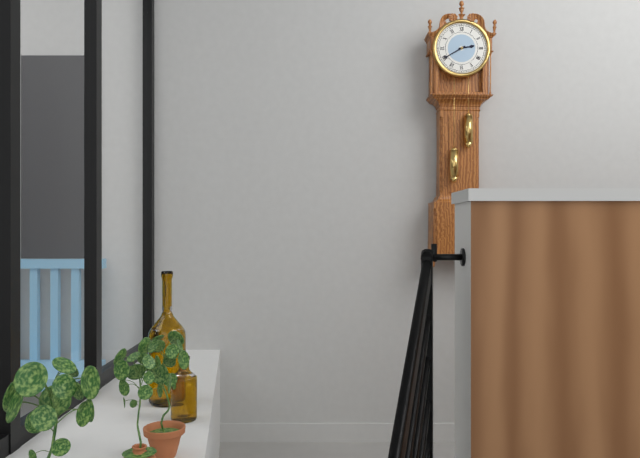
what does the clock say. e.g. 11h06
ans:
2h40
